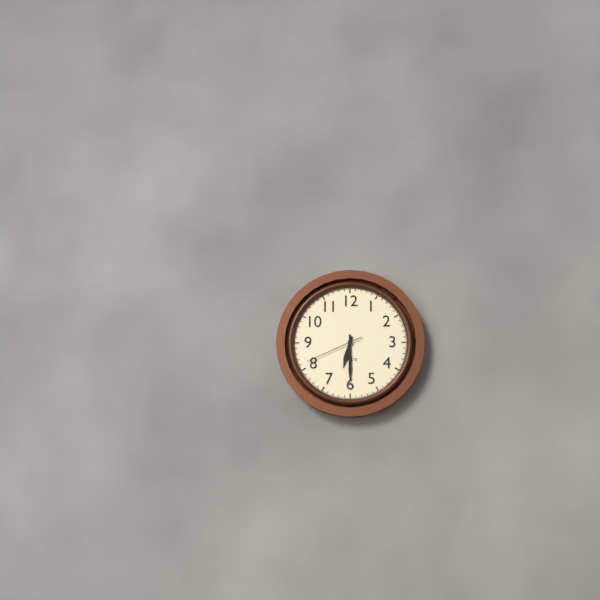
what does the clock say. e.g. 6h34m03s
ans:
6h30m41s
